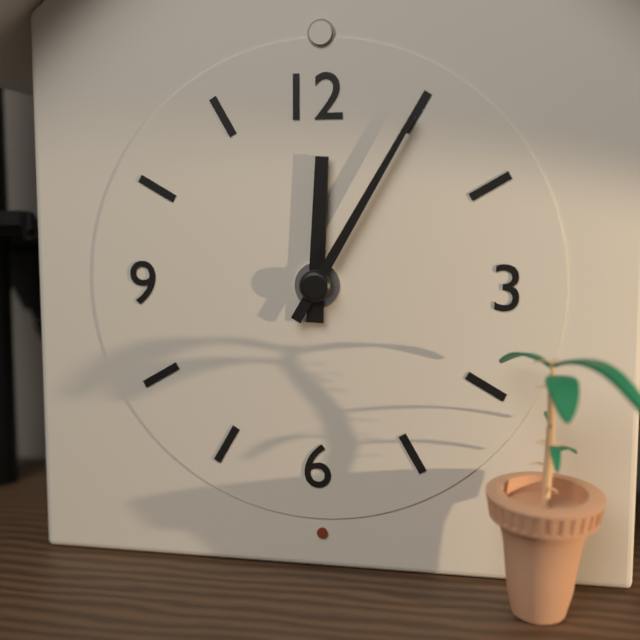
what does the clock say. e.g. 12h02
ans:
12h05
